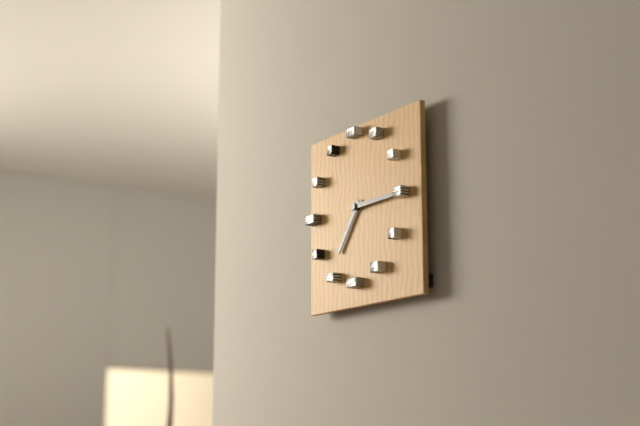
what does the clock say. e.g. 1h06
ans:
7h15
